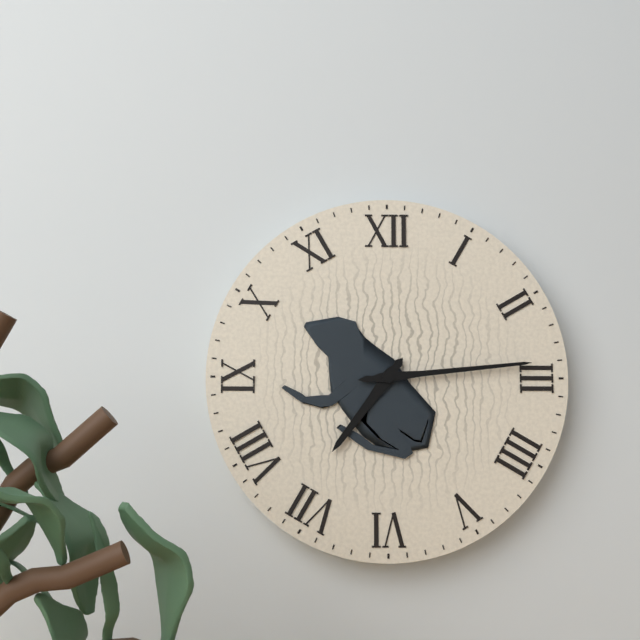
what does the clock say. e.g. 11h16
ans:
7h14
